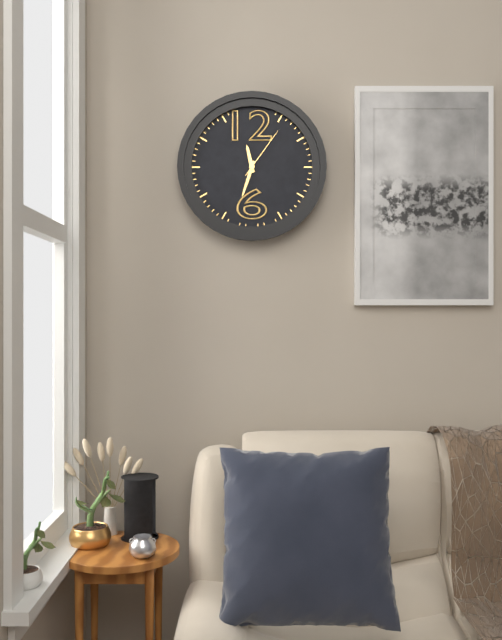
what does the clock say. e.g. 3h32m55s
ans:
11h33m06s
